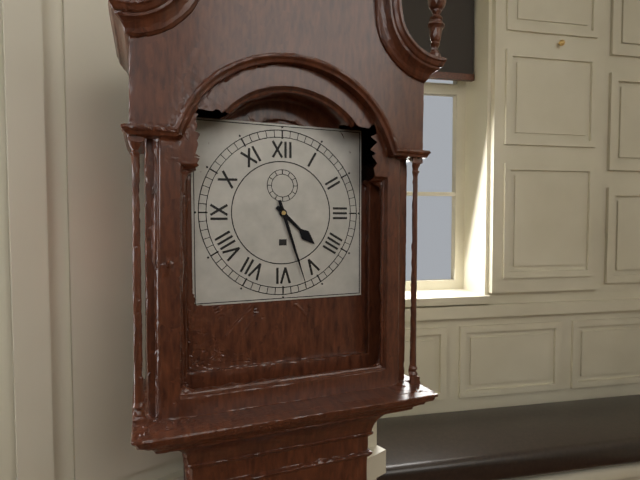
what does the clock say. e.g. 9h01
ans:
4h27
